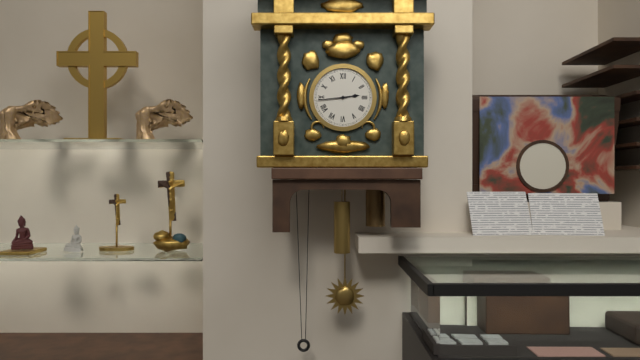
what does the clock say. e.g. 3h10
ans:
2h44
